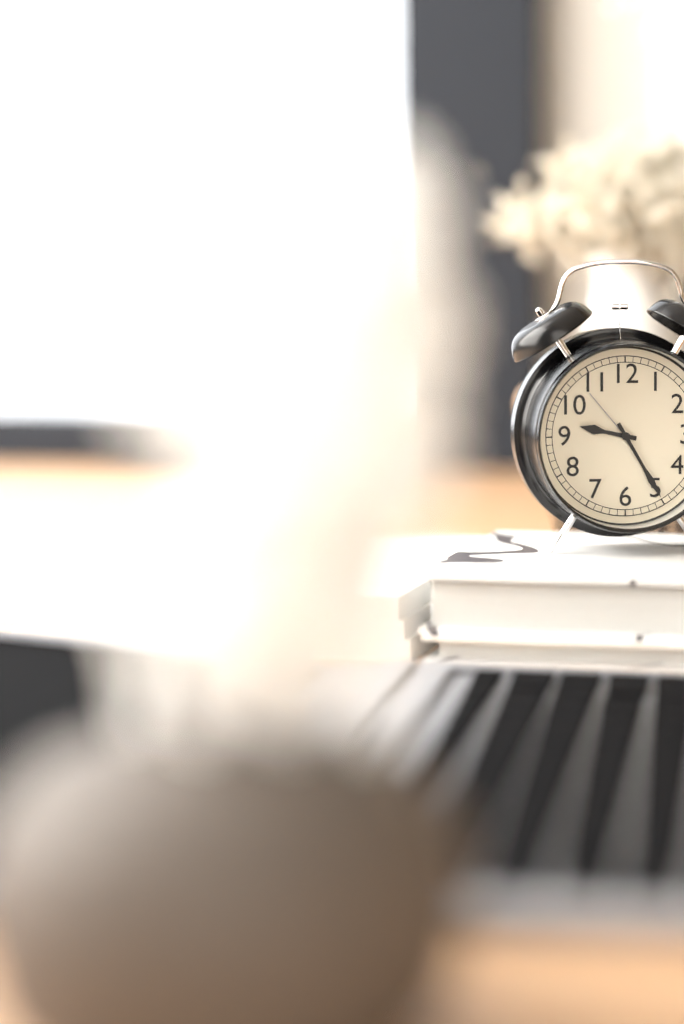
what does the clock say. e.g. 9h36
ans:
9h25
